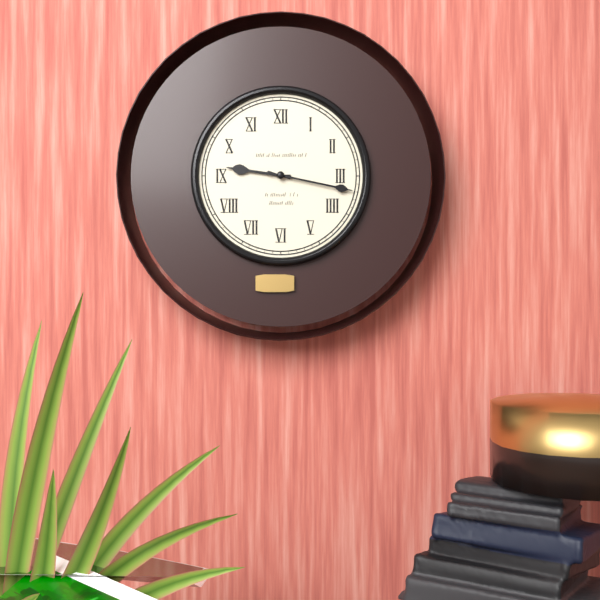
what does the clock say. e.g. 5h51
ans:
9h17
